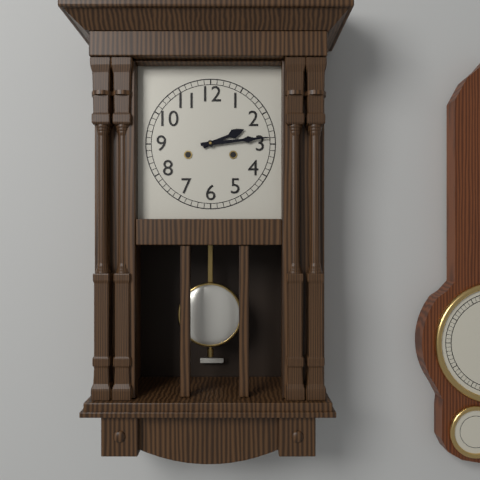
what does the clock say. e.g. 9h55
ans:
2h14
